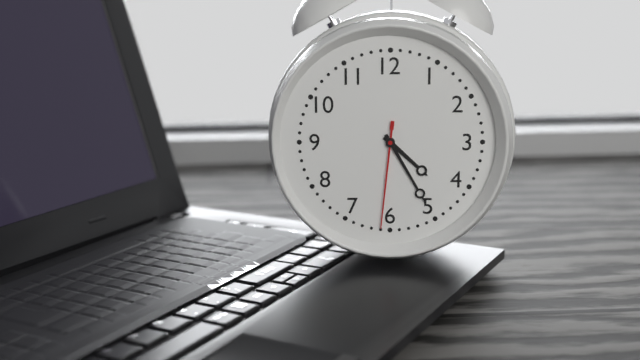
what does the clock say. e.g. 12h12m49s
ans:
4h25m31s
